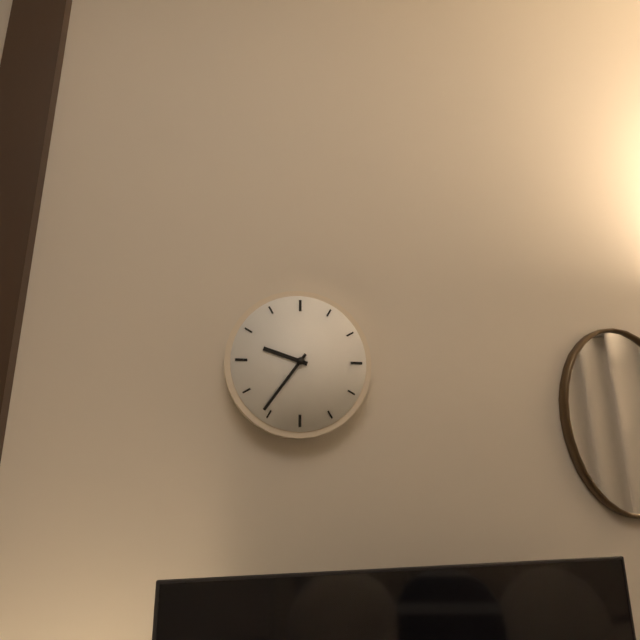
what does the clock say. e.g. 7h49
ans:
9h36
